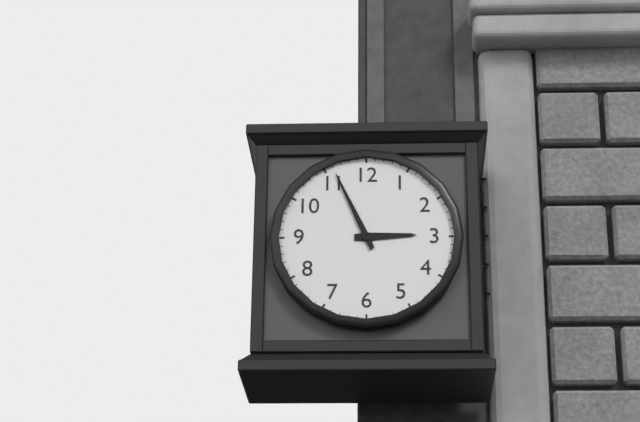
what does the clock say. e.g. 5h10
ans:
2h56
